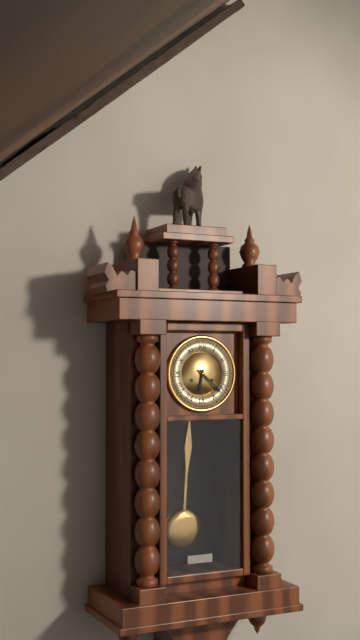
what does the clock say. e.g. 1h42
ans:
6h22
